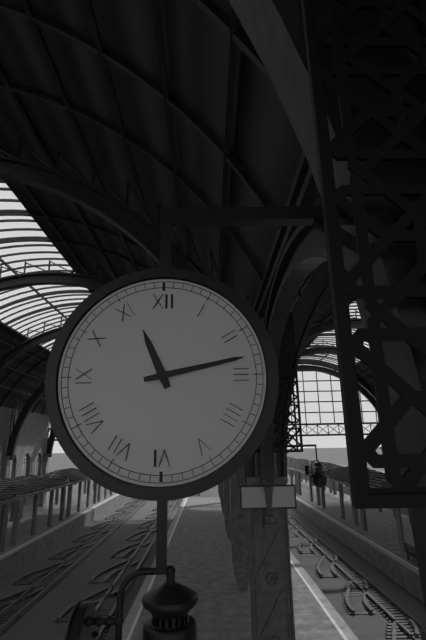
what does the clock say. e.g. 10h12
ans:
11h13
